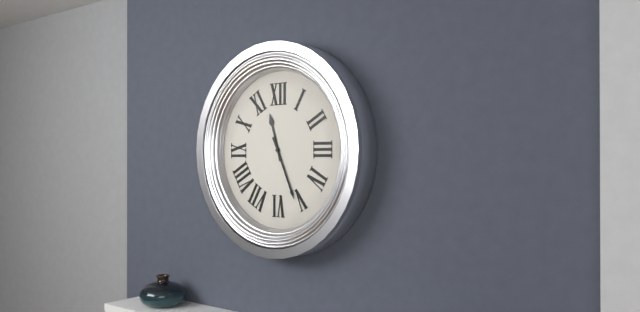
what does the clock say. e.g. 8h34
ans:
11h26
